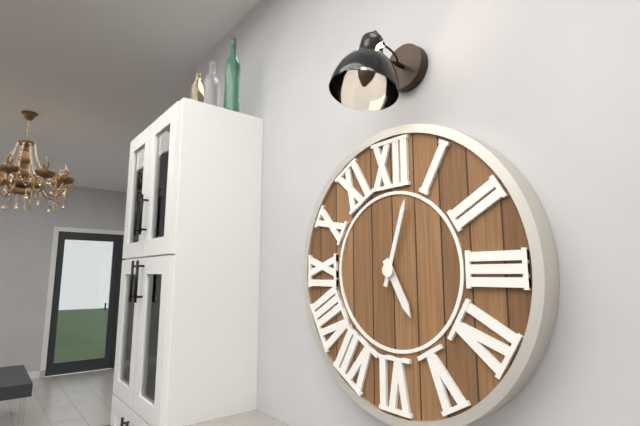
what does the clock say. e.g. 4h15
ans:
5h03
